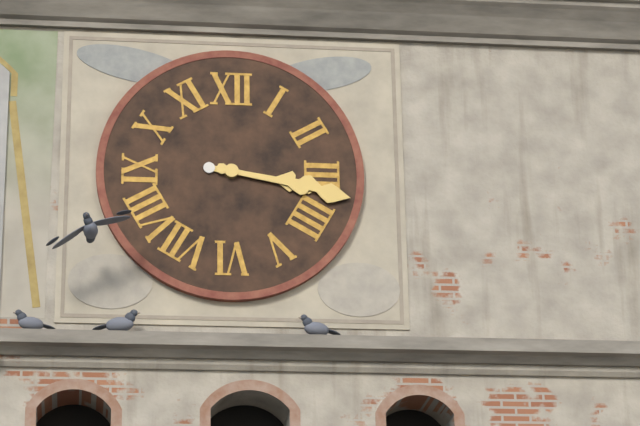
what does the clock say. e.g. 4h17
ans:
3h17
